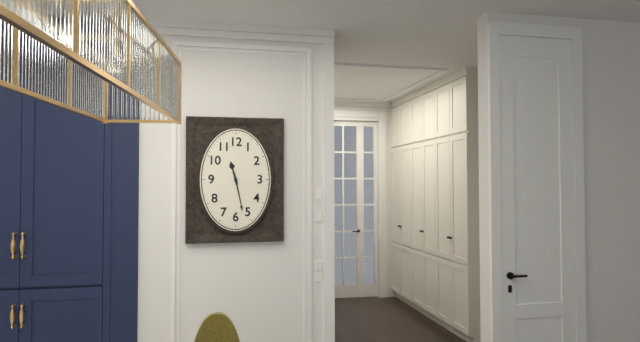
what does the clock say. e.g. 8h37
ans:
11h28
